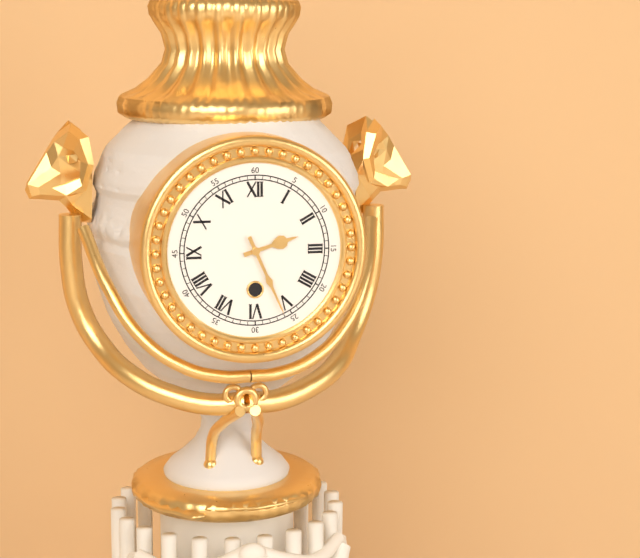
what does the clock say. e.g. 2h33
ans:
2h26
